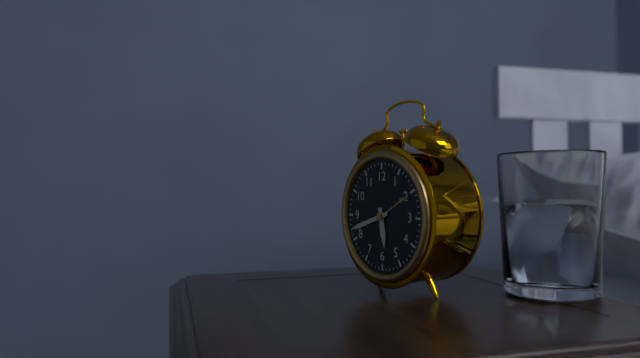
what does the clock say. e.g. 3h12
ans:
5h42
